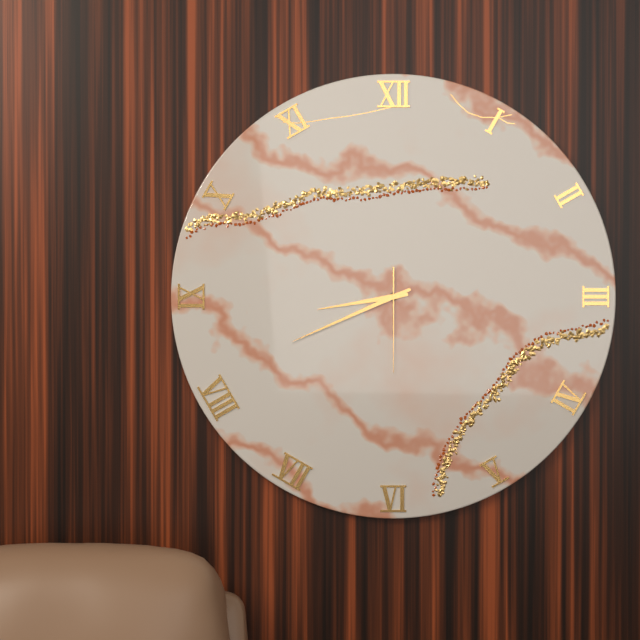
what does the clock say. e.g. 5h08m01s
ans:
8h41m30s
